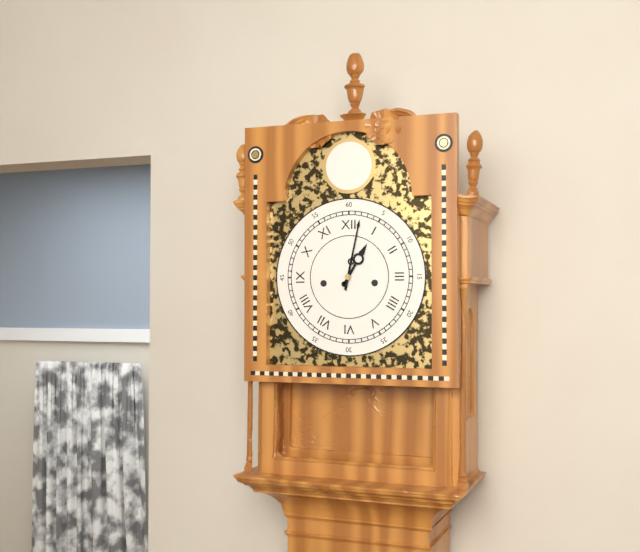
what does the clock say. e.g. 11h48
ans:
1h02
